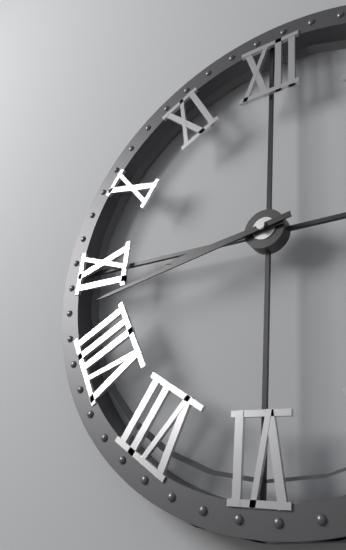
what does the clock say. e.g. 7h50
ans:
8h43
